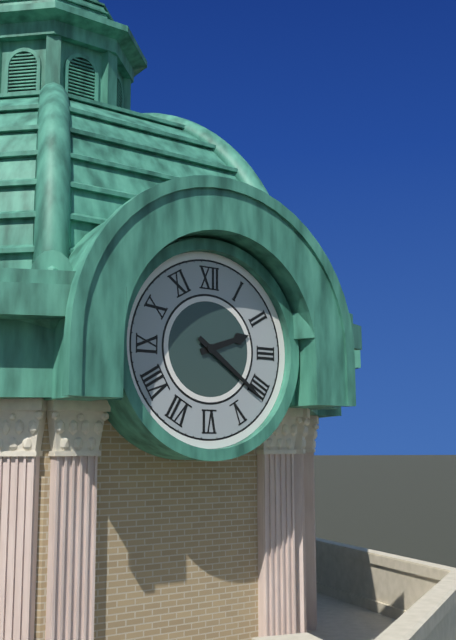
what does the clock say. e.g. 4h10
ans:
2h21
